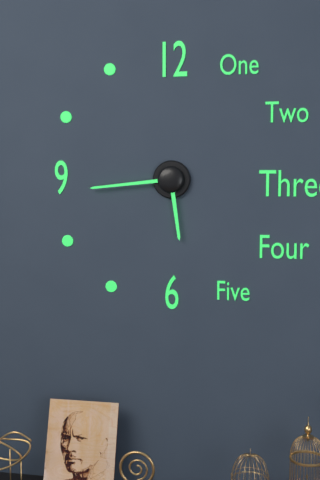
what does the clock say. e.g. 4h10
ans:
5h44
